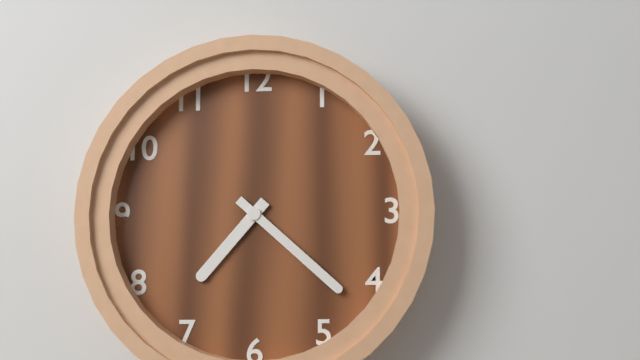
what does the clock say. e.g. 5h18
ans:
7h22
